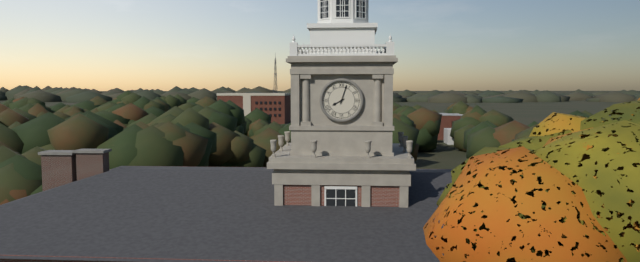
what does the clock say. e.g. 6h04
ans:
8h03
